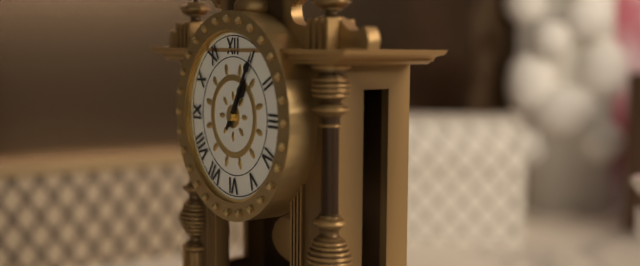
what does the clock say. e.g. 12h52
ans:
1h05
